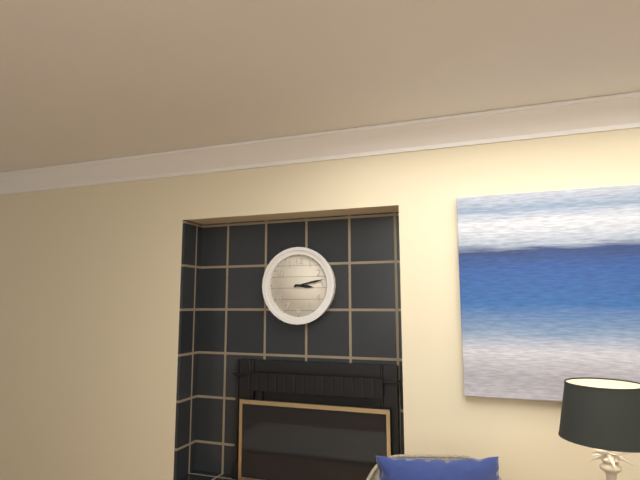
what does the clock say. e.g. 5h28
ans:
3h13
